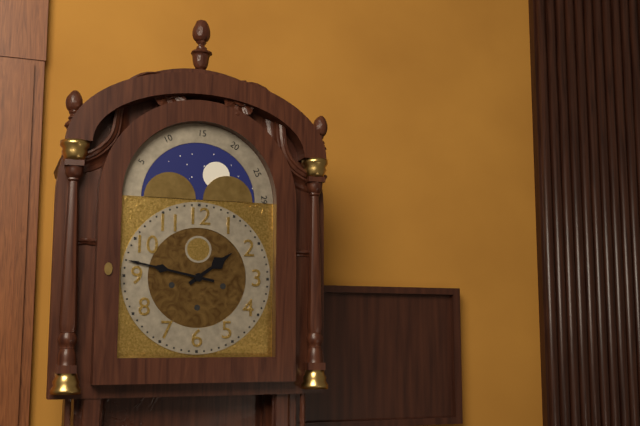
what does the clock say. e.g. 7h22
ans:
1h47
